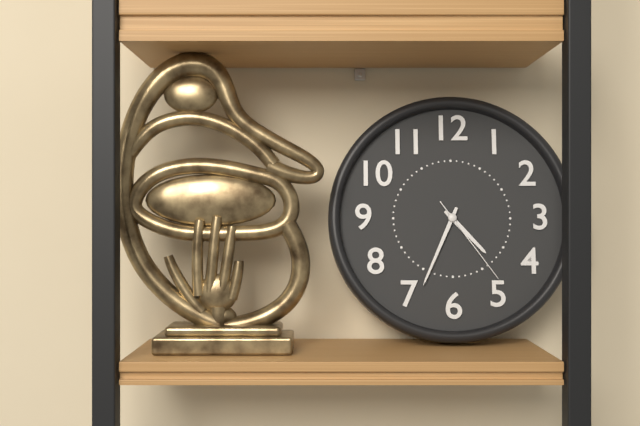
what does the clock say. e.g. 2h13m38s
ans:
4h34m24s
